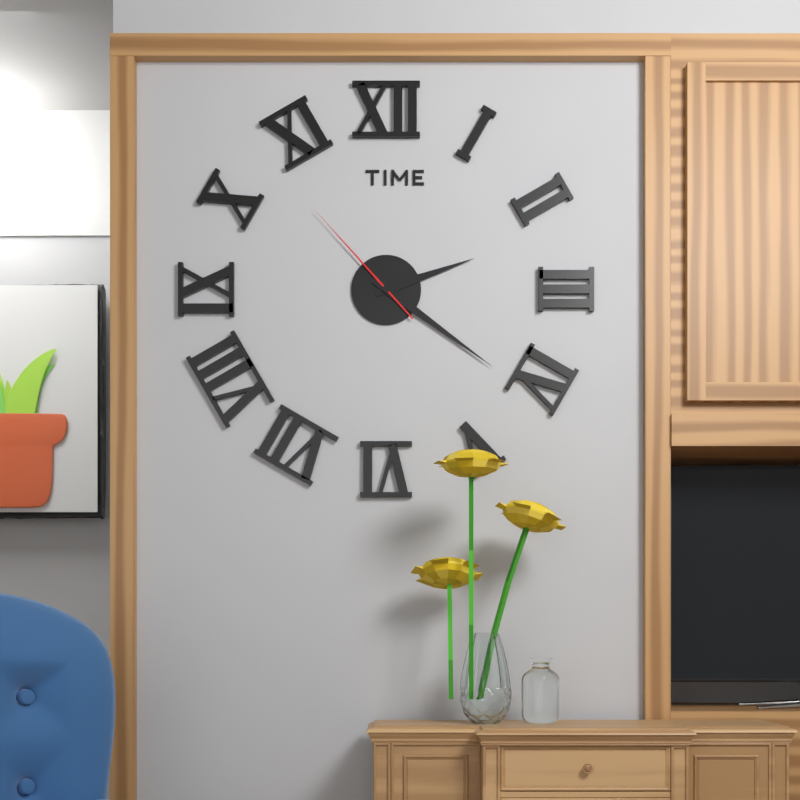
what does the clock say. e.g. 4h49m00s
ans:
2h21m53s
